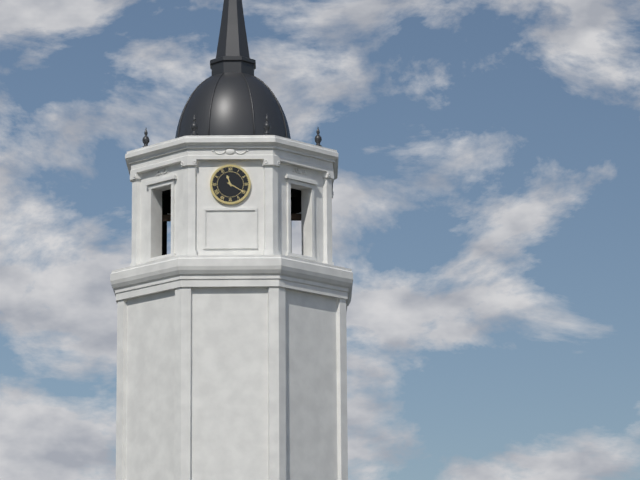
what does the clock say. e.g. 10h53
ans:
11h20
